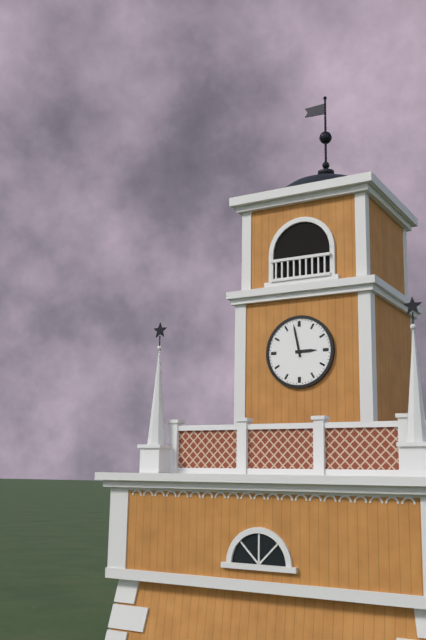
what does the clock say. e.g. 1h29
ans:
2h58
